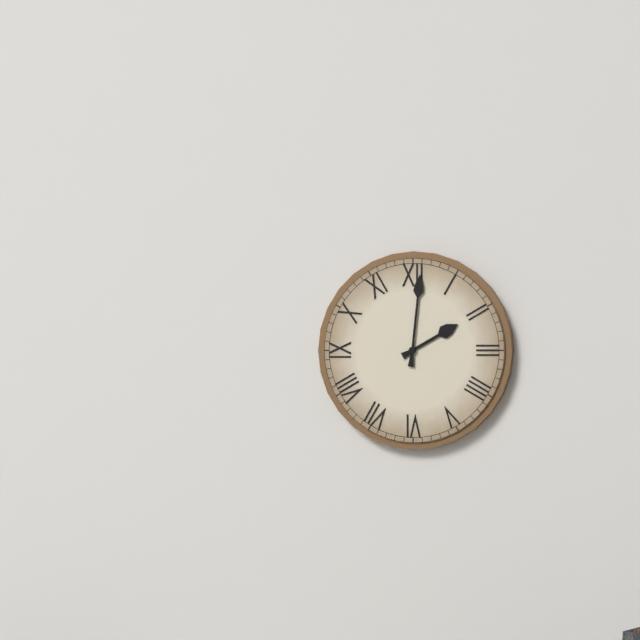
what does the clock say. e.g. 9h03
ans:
2h01
